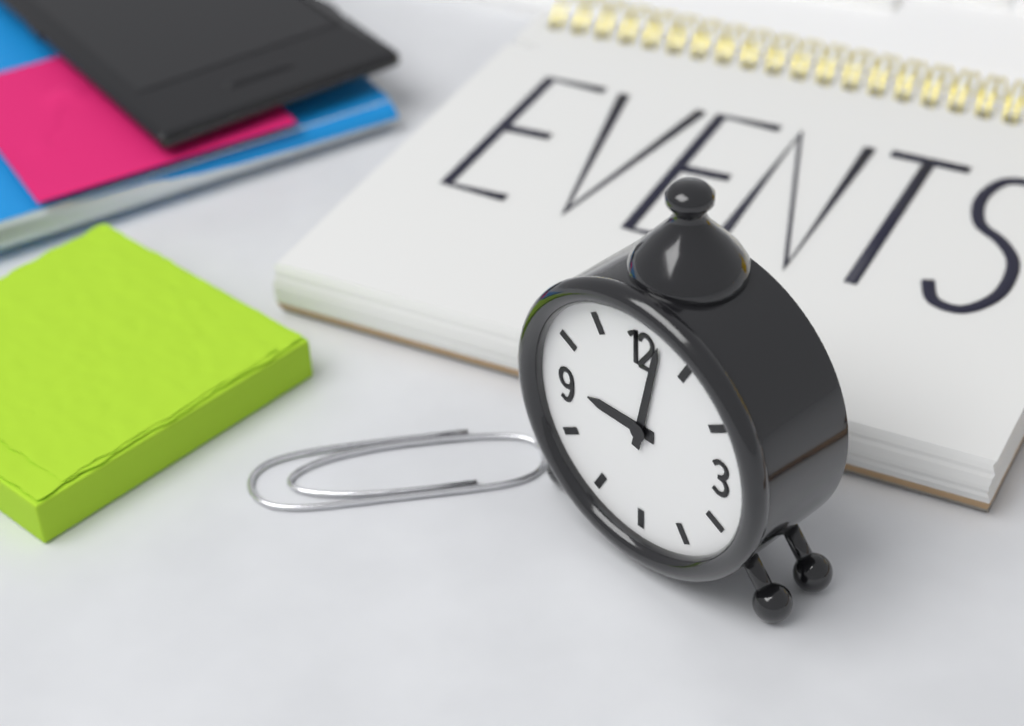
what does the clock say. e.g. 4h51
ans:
9h02
